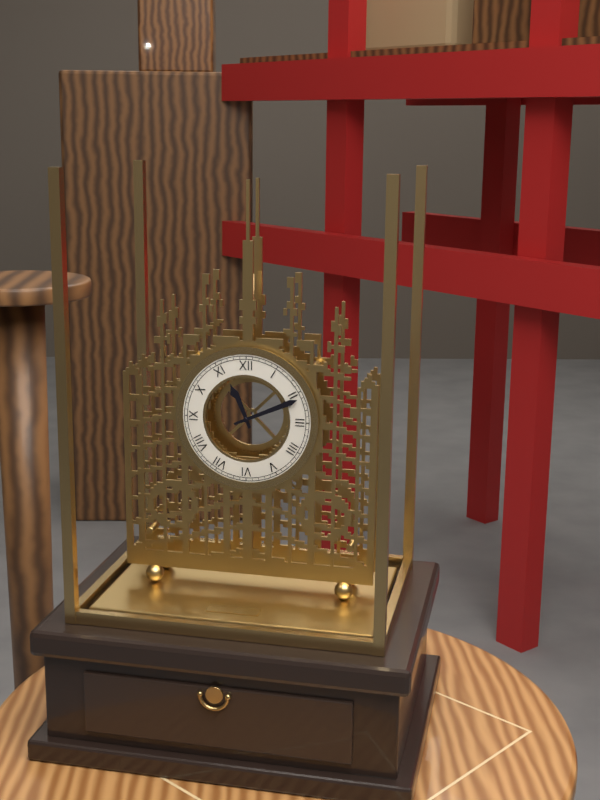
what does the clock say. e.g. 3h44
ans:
11h11
